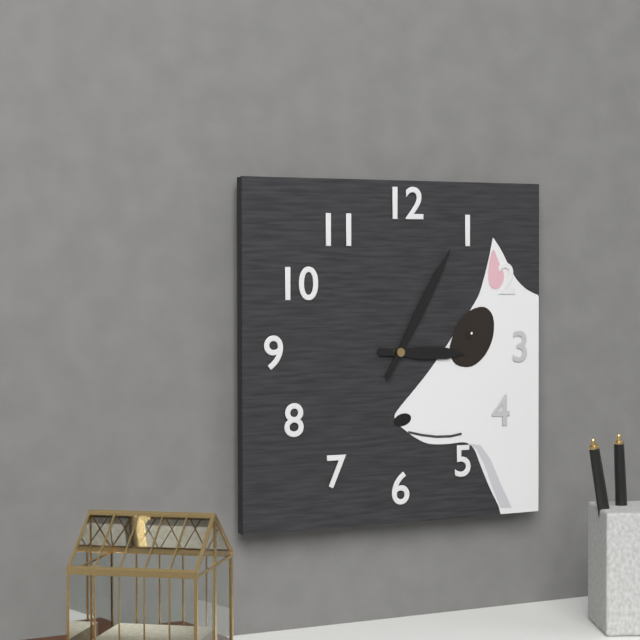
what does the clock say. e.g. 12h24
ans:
3h05
